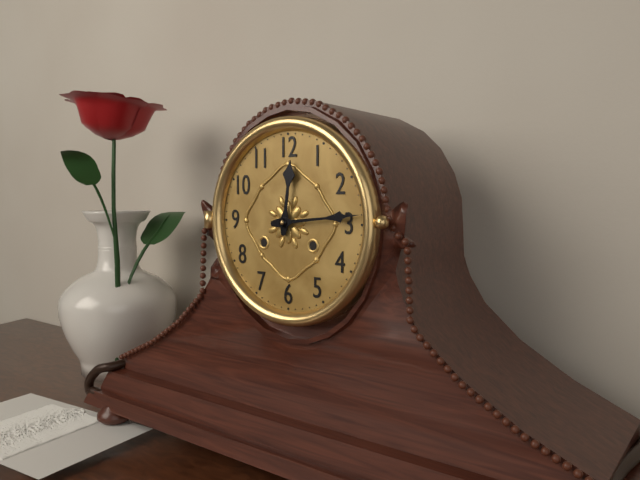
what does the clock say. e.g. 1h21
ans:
12h14
